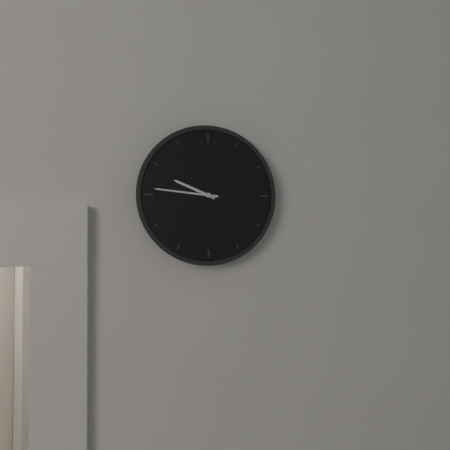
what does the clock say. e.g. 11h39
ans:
9h46
